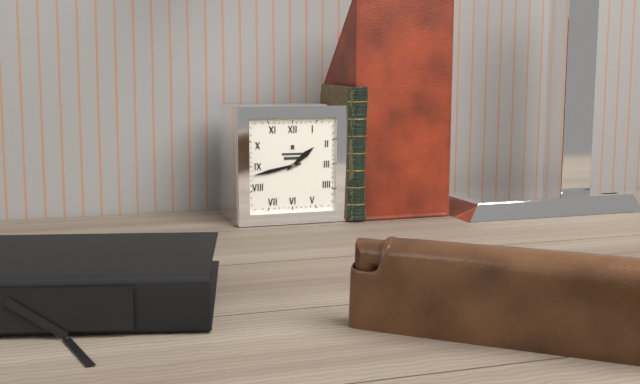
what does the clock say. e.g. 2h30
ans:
1h43
